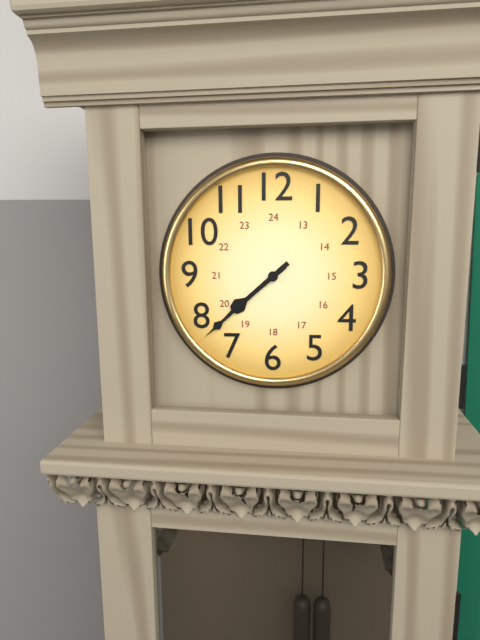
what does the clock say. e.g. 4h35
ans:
7h38
